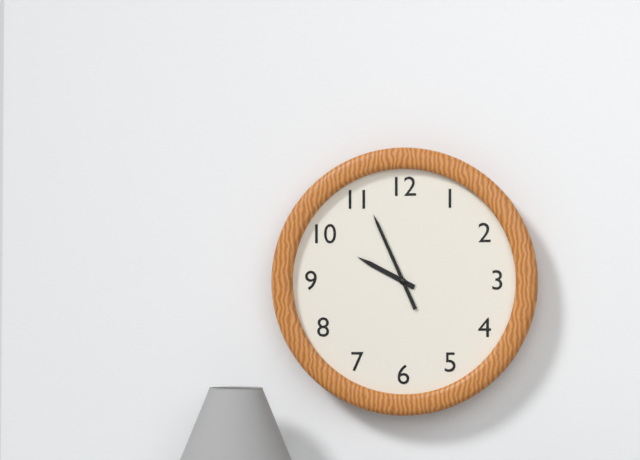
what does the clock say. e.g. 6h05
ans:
9h56
